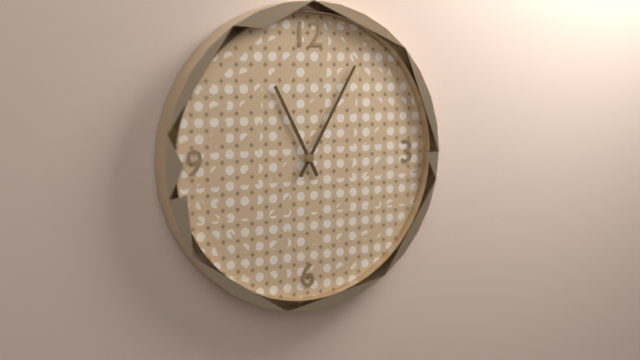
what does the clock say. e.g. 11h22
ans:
11h05
